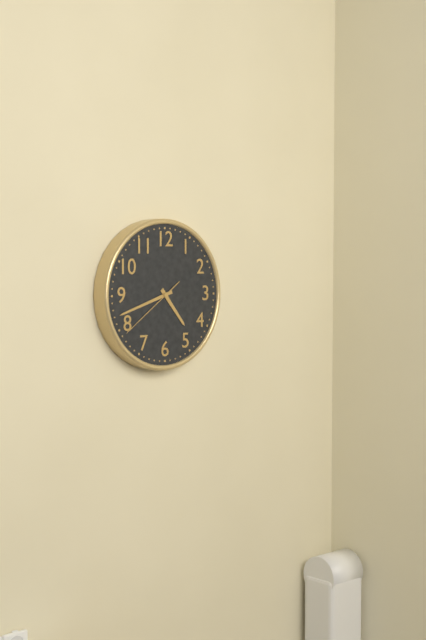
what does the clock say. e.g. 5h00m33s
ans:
4h42m39s
